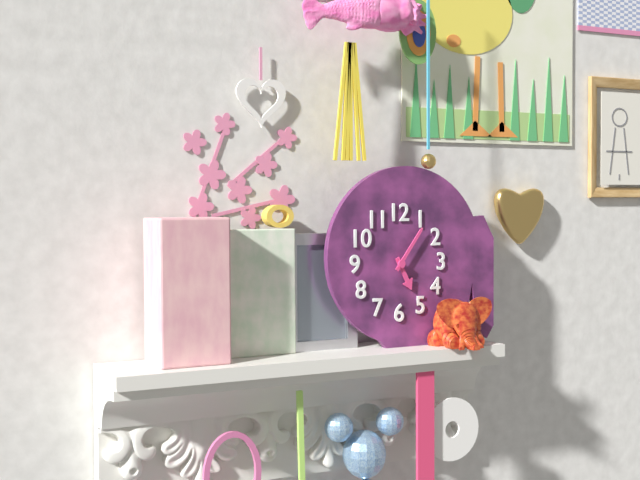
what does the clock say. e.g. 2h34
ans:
5h06
